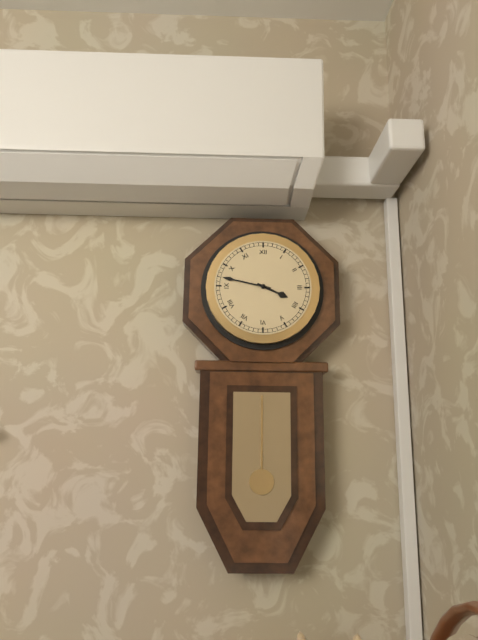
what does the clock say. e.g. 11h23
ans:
3h47
